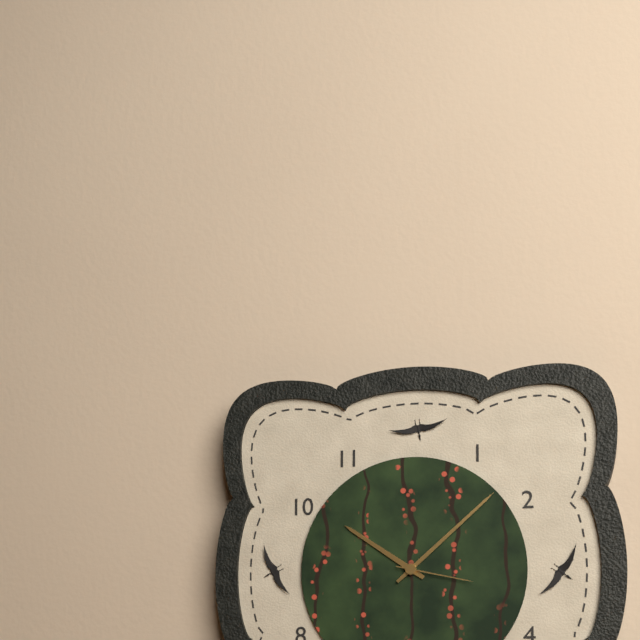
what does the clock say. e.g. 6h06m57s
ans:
10h08m17s
